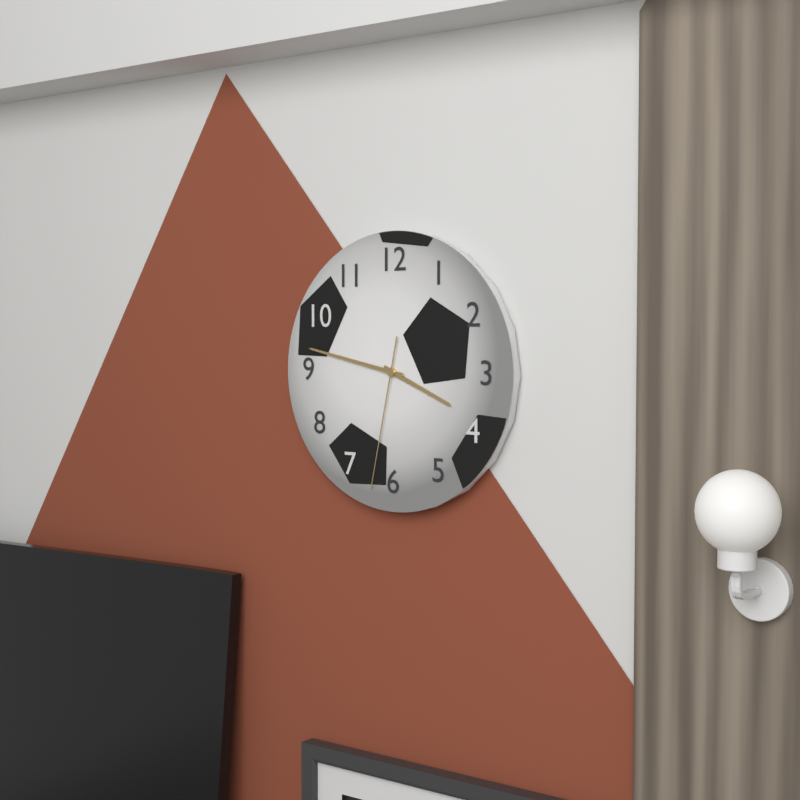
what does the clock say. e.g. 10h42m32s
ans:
3h47m32s
